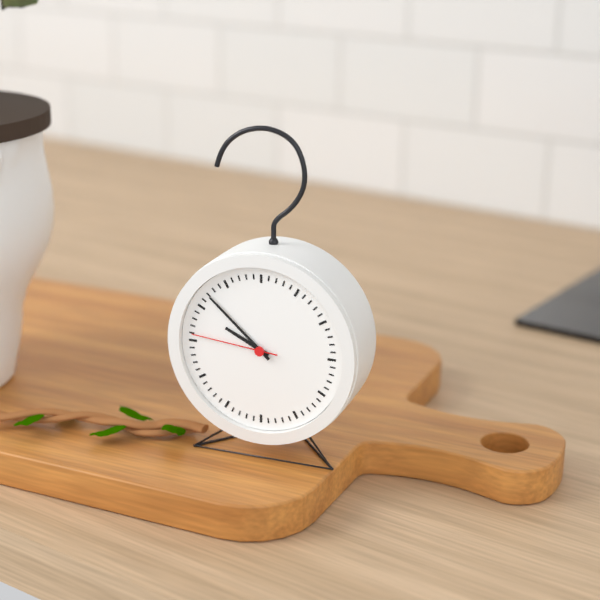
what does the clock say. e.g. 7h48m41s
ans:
9h52m46s
